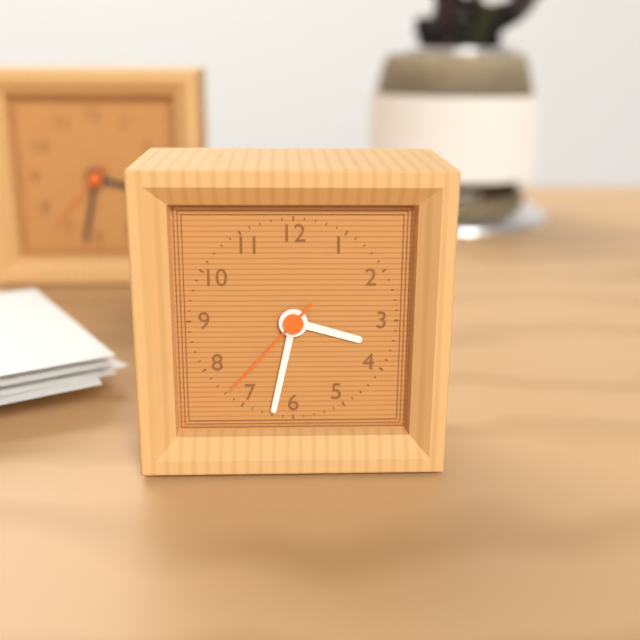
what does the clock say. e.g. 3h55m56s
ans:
3h32m37s
